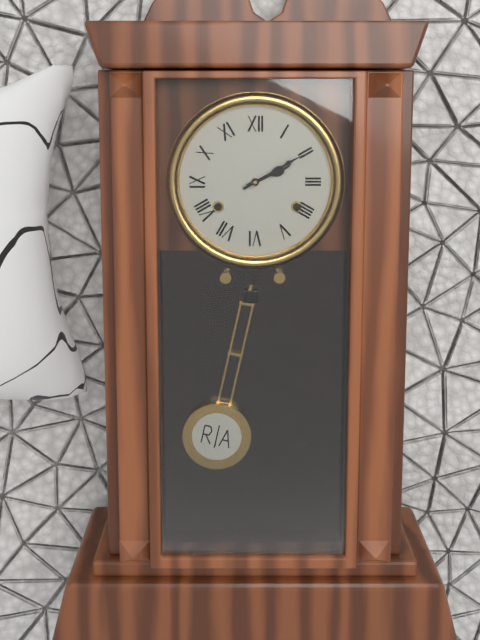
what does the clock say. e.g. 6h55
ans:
2h10
